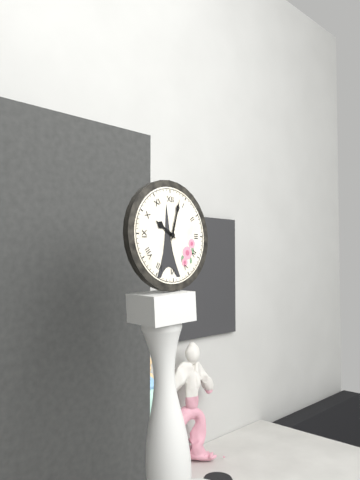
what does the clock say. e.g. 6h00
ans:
10h03
